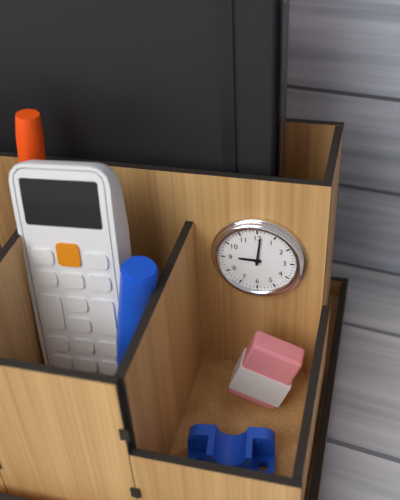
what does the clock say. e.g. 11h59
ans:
9h01
